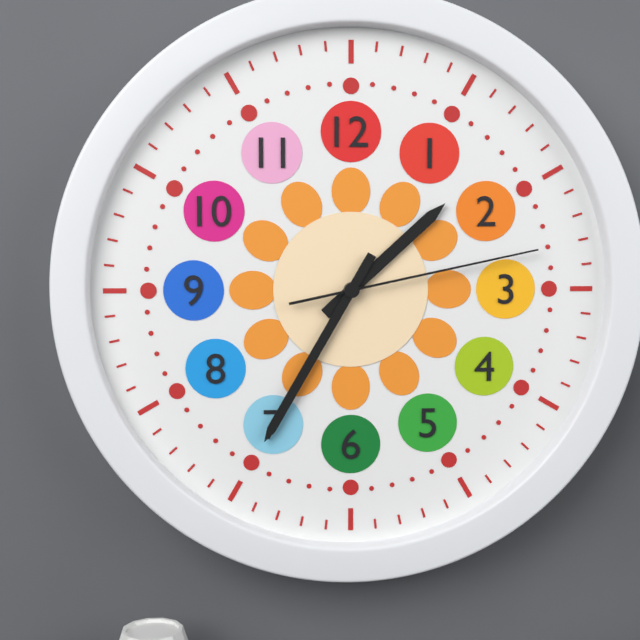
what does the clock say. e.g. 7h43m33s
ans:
1h35m13s
